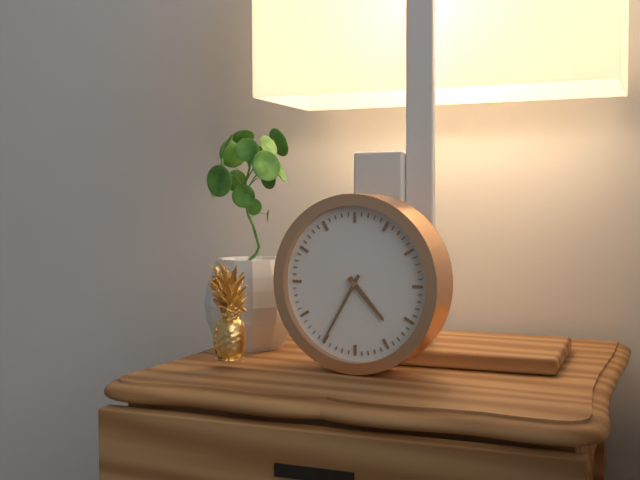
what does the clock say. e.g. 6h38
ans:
4h35
